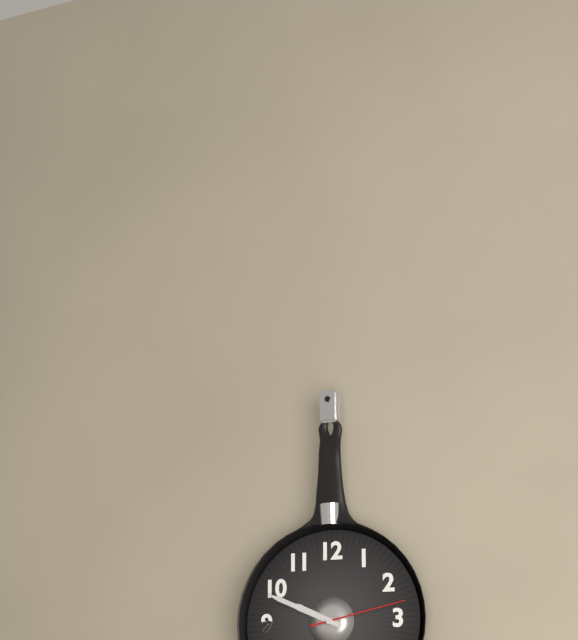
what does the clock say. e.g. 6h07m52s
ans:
9h49m13s
